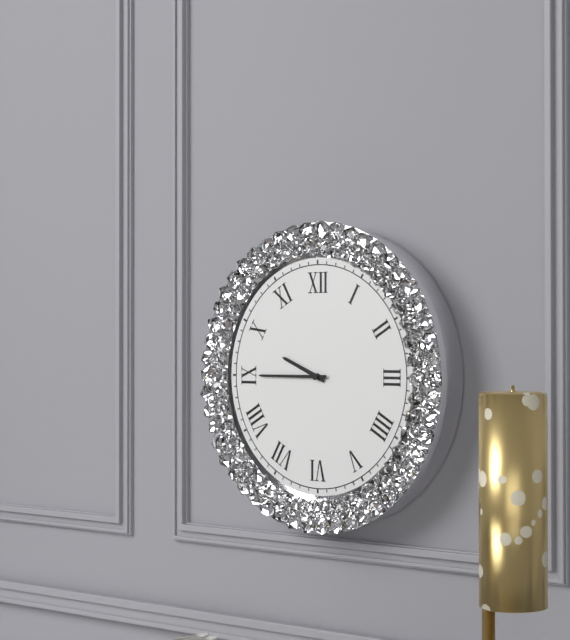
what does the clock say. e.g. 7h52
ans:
9h45
